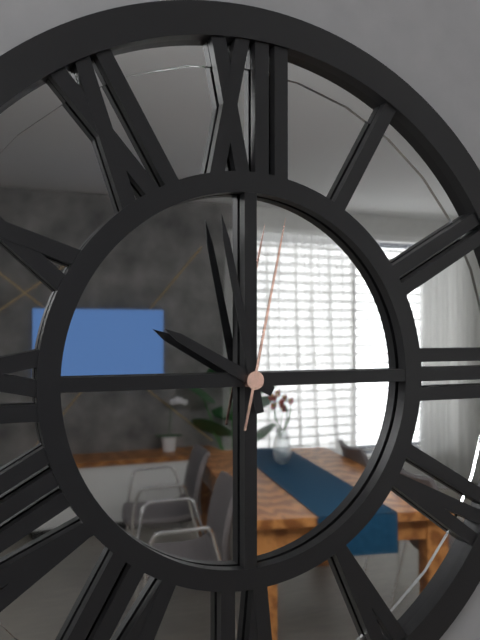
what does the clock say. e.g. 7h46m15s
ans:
9h58m02s
